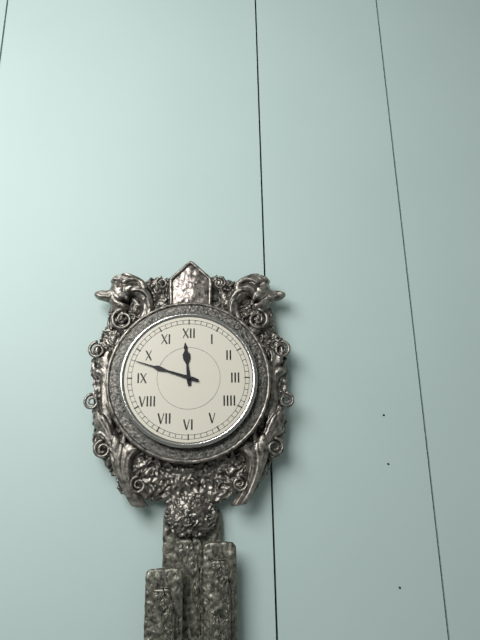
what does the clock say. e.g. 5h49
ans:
11h48
